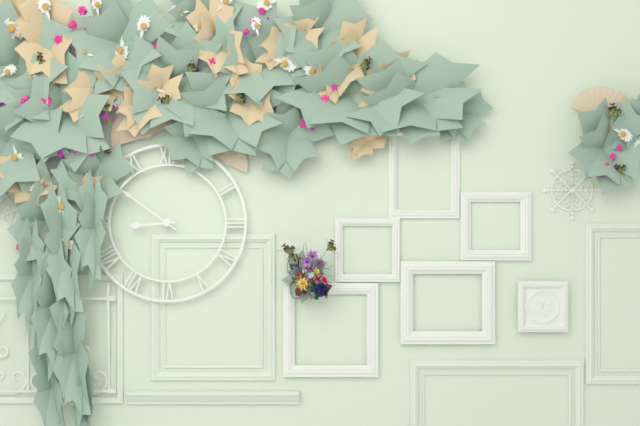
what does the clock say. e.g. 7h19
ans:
8h51
